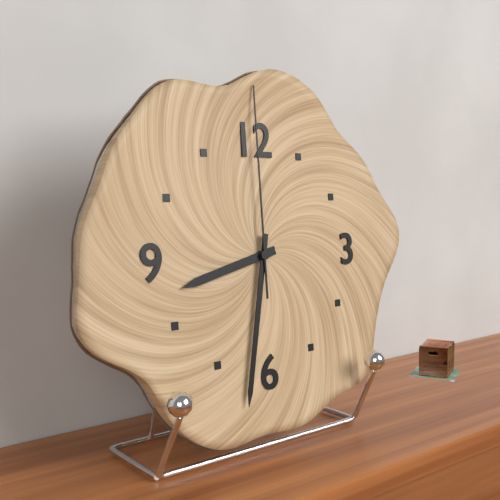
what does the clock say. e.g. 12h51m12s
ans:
8h32m00s
